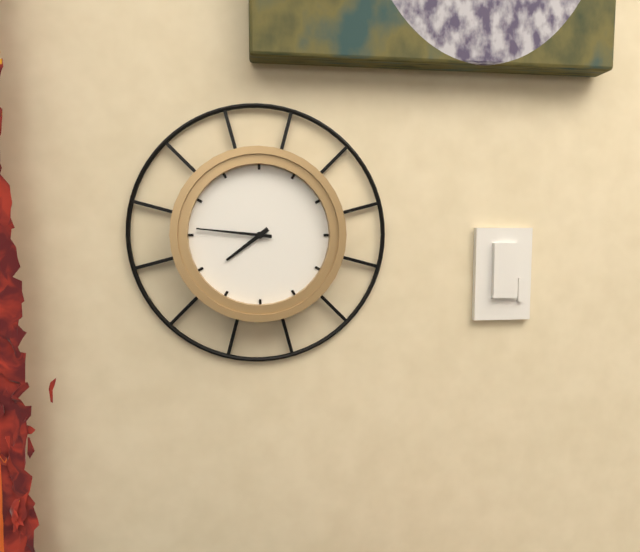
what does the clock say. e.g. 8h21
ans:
7h46
